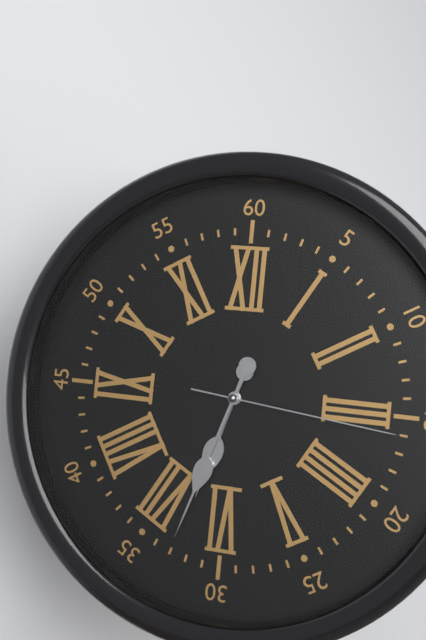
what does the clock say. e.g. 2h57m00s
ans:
6h33m16s
